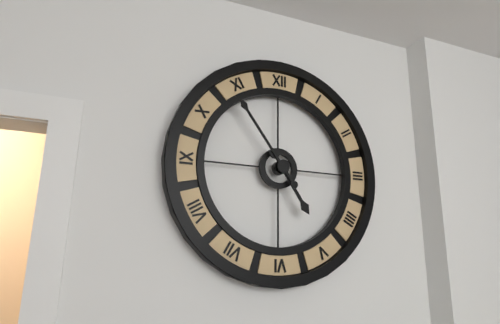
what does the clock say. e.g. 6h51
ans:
4h54
